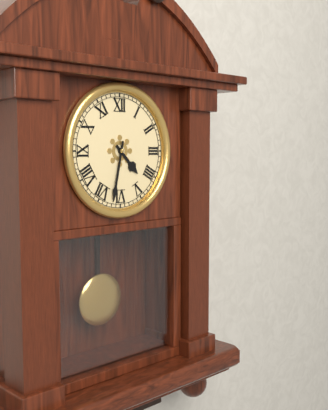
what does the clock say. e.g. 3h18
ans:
4h32
